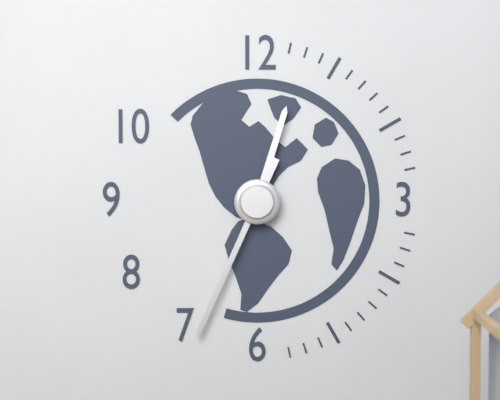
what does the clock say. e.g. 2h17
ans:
12h34
